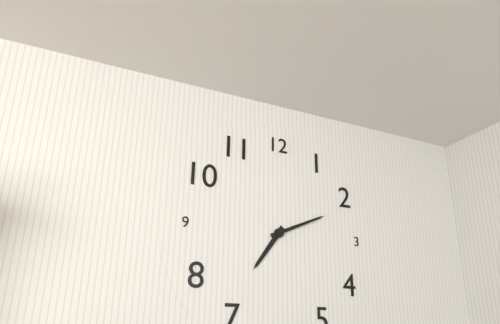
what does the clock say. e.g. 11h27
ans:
7h11
